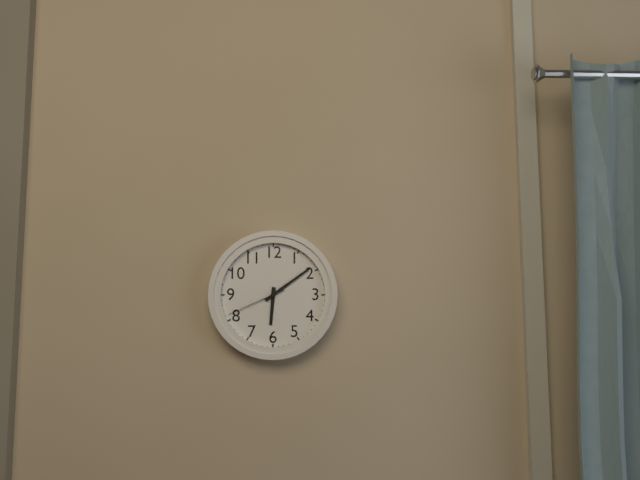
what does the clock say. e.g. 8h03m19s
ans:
6h09m41s
